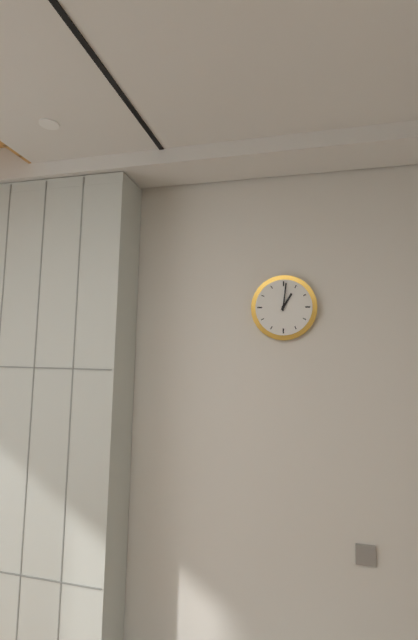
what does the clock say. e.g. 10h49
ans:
1h01
